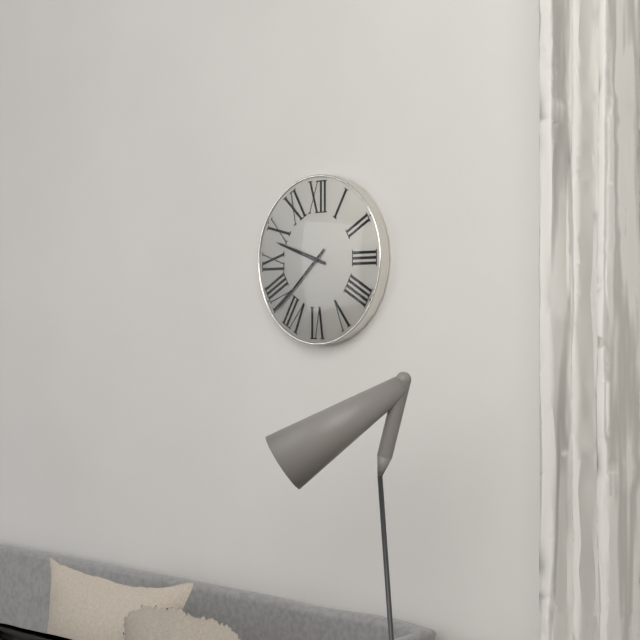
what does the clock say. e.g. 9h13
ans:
9h38
